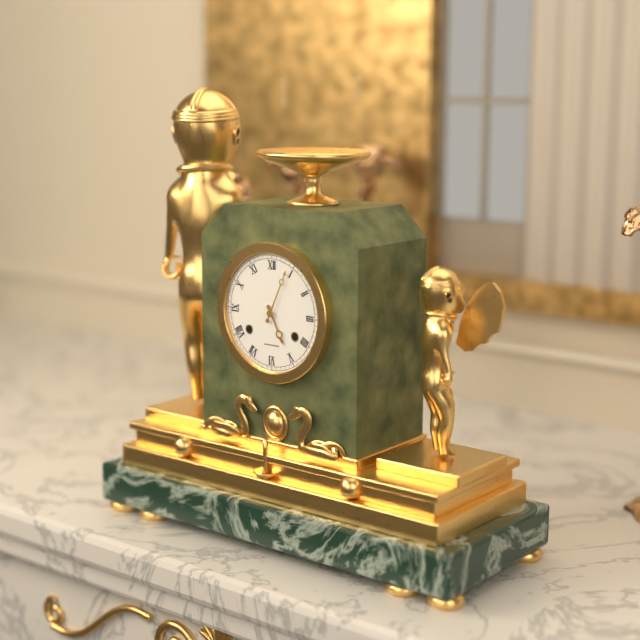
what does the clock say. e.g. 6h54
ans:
5h04
